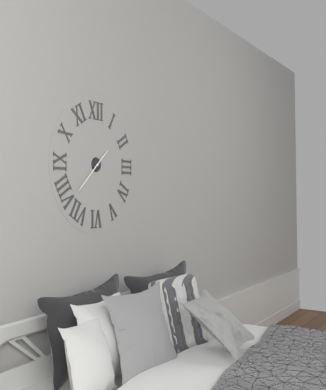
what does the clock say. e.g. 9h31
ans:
1h38
